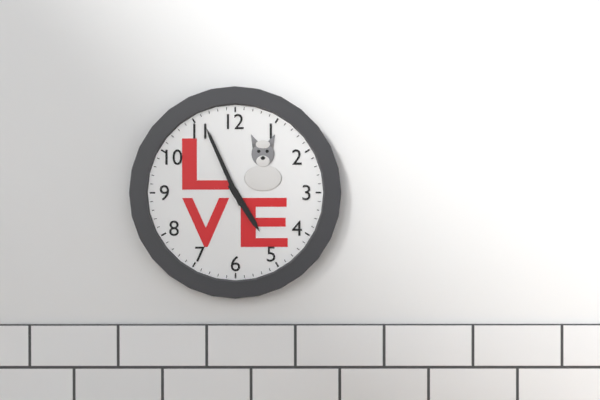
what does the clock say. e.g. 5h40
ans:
4h56
